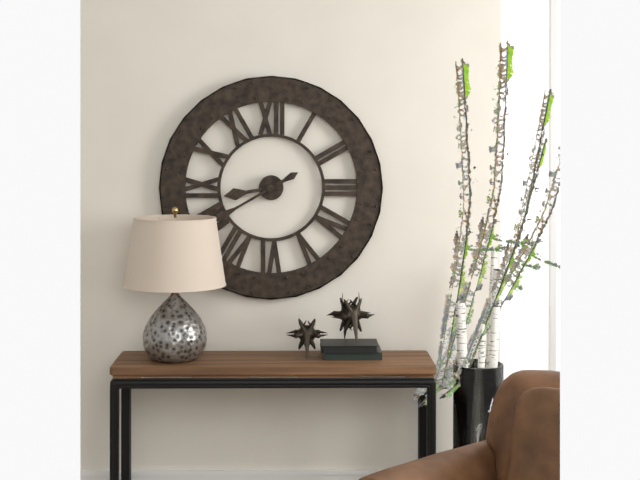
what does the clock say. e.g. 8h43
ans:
8h40
